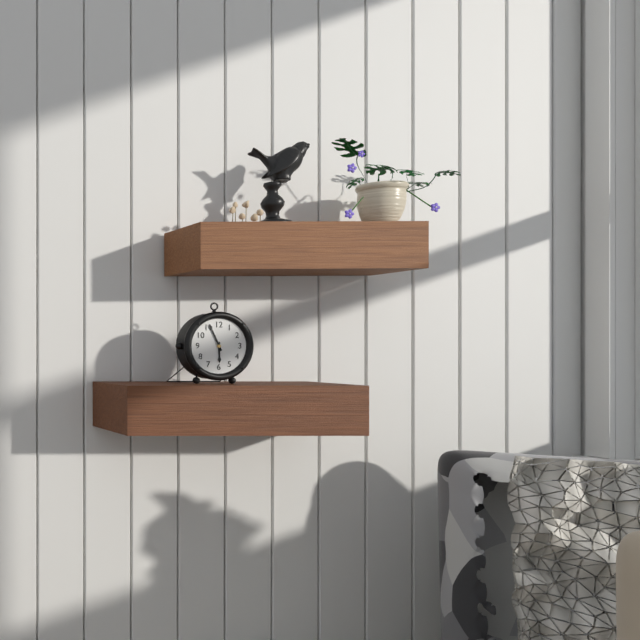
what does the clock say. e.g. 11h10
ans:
5h56
